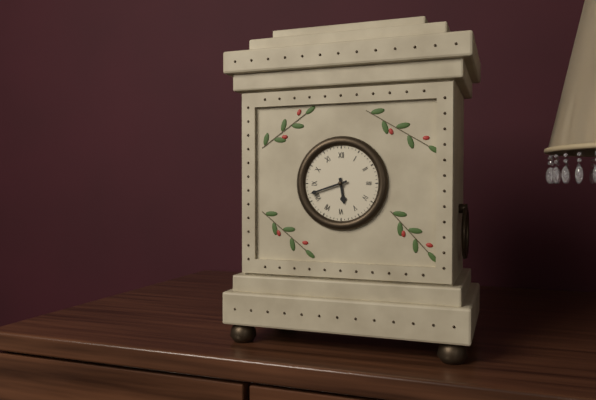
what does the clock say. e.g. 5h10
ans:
5h42
